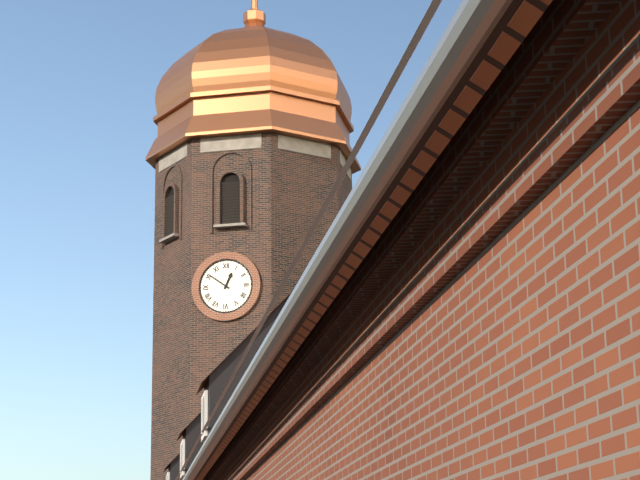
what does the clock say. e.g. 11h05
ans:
12h51
